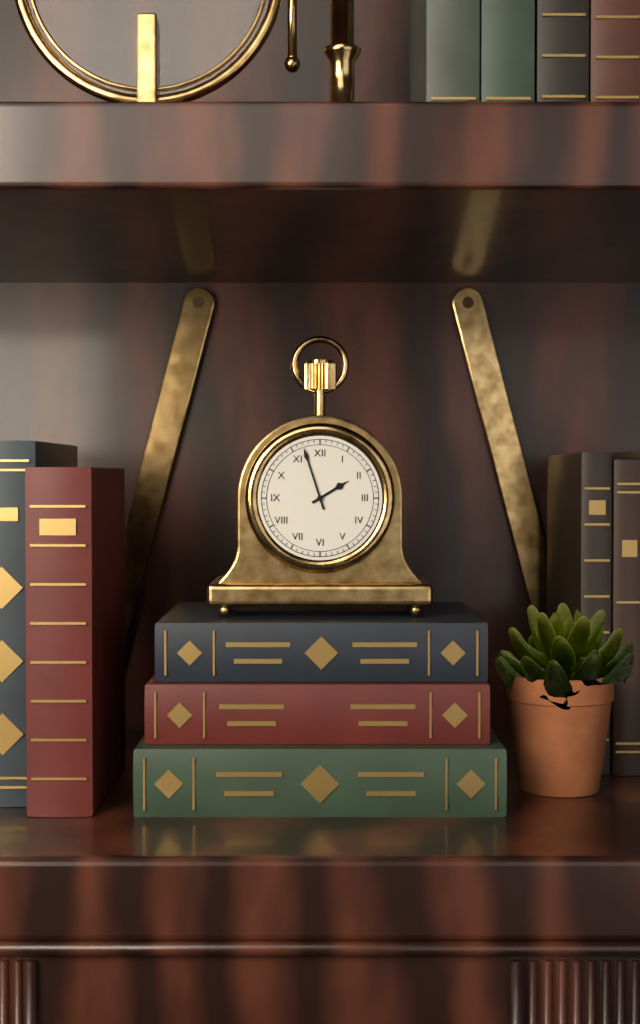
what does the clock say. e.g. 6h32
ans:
1h57
